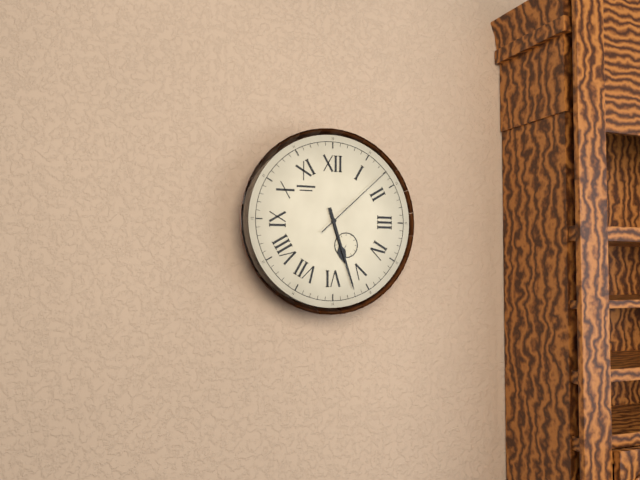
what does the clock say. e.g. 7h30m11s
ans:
5h27m08s
